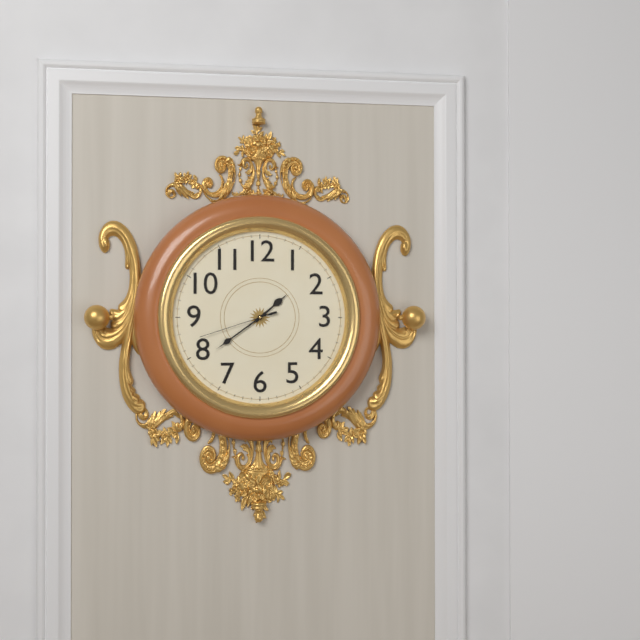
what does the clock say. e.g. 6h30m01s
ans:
1h39m42s
